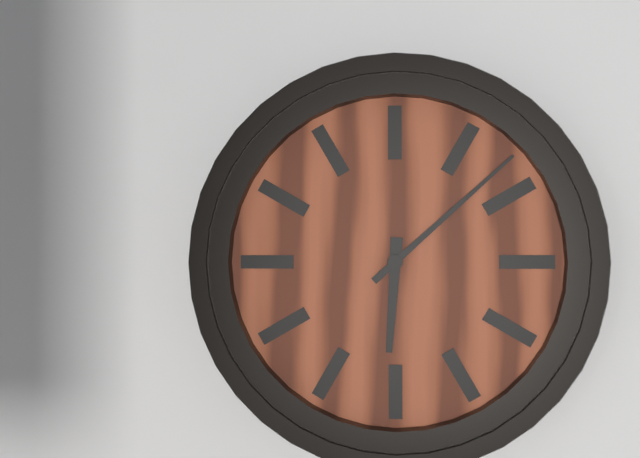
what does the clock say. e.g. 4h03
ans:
6h08
